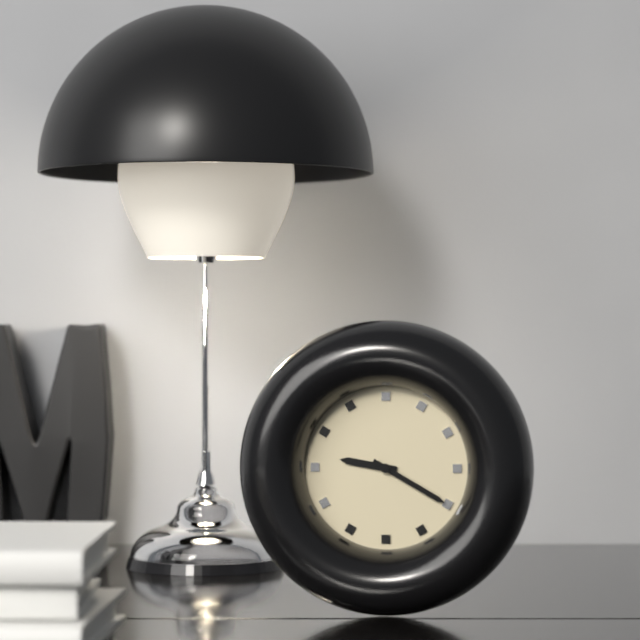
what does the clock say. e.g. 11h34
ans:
9h20
